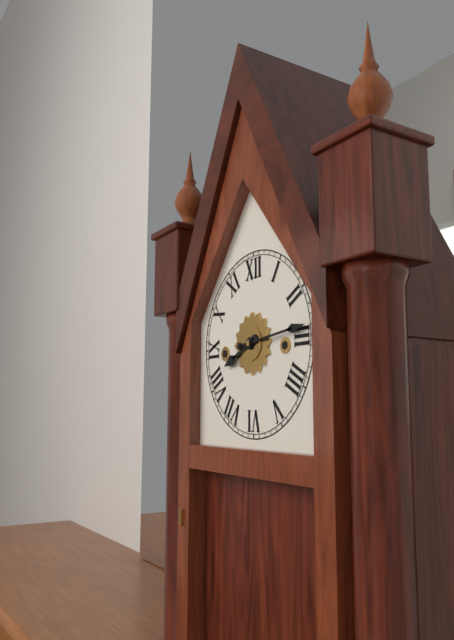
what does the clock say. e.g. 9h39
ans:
8h14
